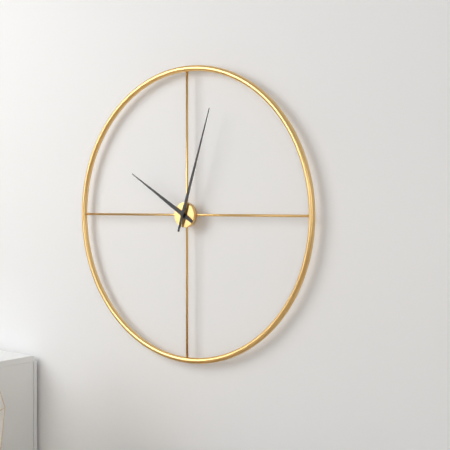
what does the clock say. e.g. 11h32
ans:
10h03
